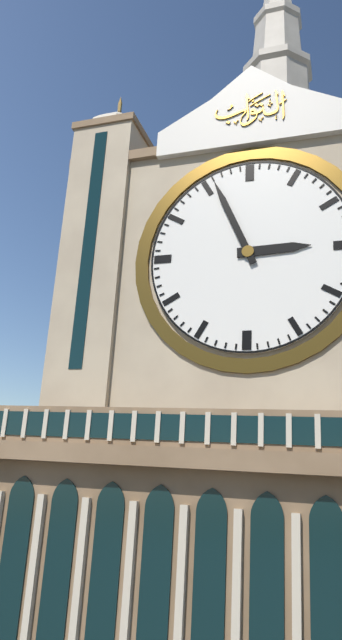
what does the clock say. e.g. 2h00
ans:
2h56
